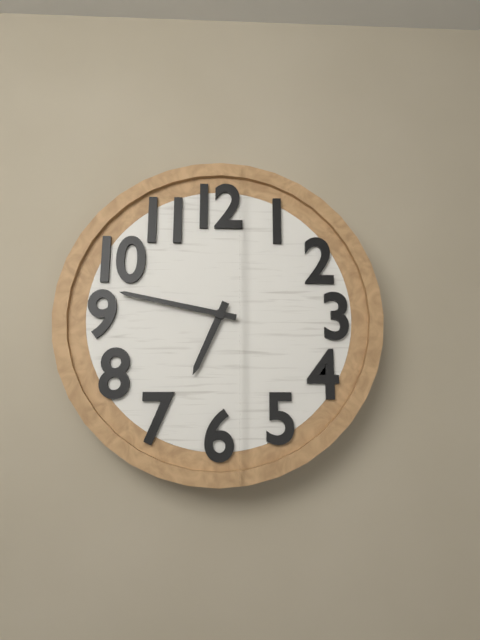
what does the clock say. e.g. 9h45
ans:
6h47
